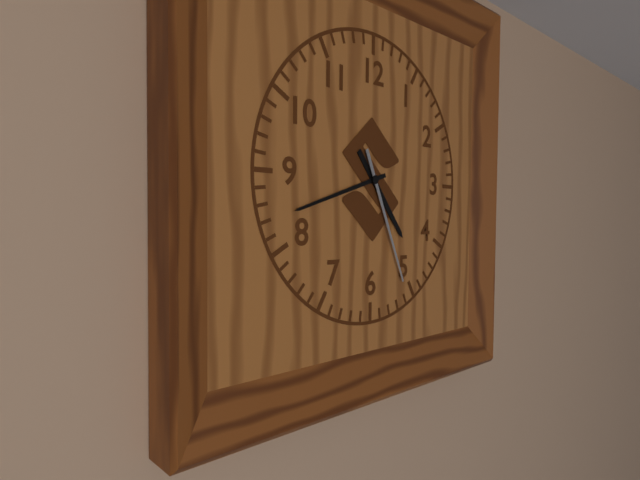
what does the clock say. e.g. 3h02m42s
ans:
4h42m26s
